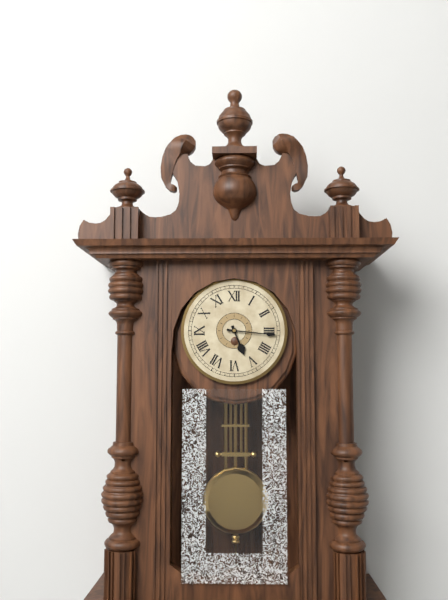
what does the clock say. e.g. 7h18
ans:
5h16
